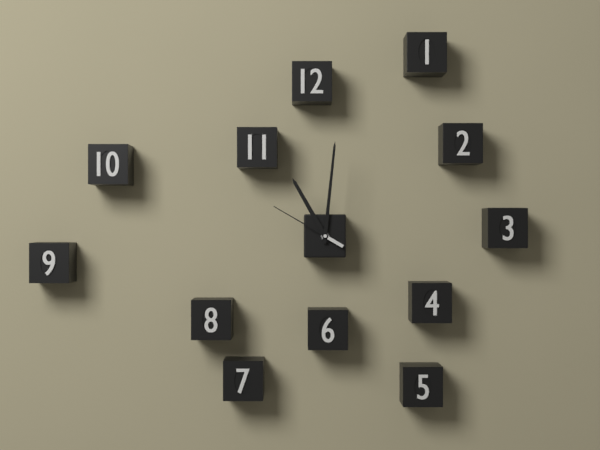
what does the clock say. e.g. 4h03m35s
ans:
11h01m50s
